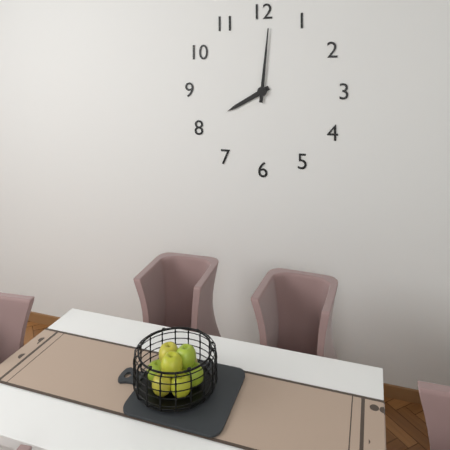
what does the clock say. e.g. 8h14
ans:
8h01
